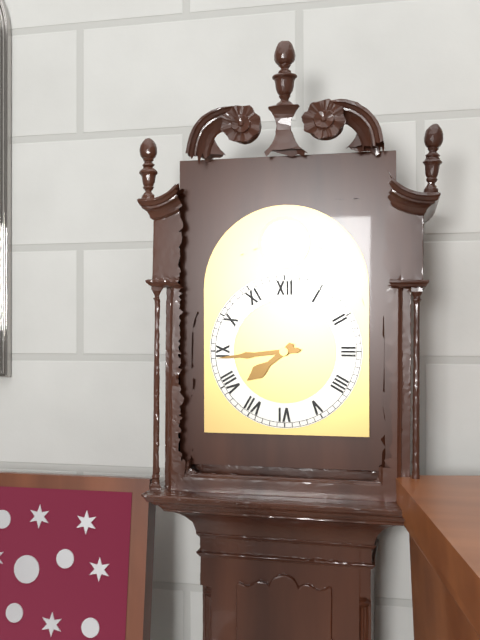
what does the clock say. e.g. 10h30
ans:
7h44
